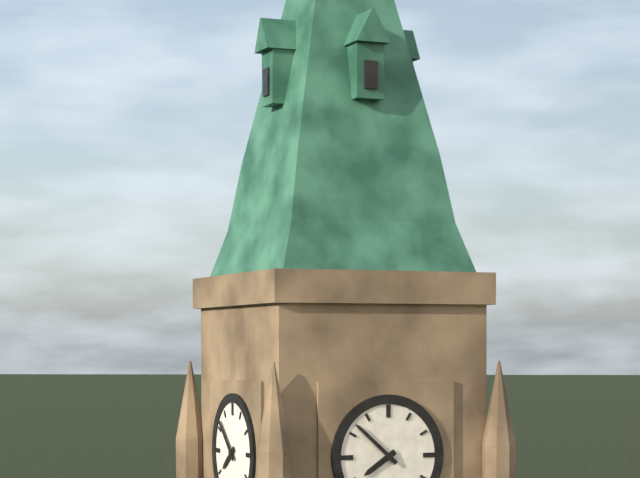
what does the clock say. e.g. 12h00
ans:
7h52
